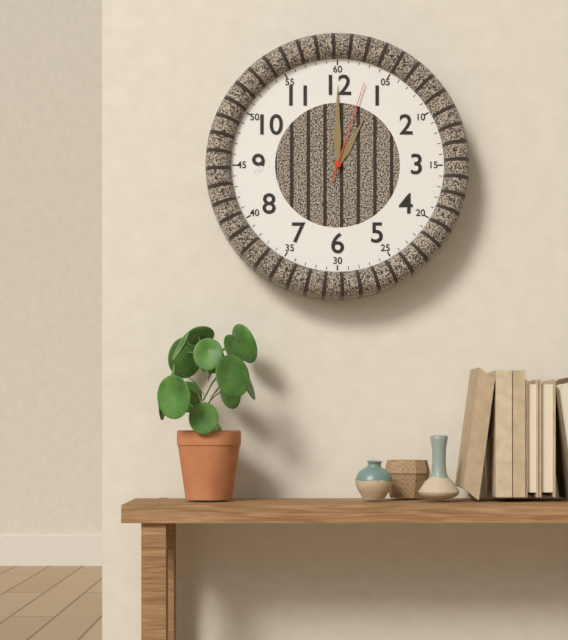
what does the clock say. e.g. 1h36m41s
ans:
1h00m03s
